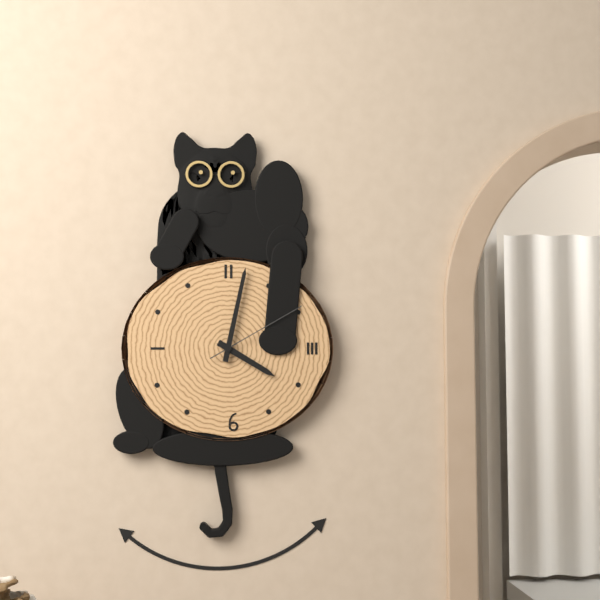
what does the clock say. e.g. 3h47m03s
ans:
4h02m10s
